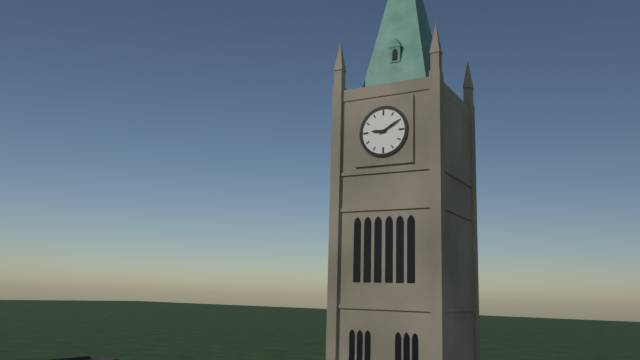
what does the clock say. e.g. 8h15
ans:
9h10
